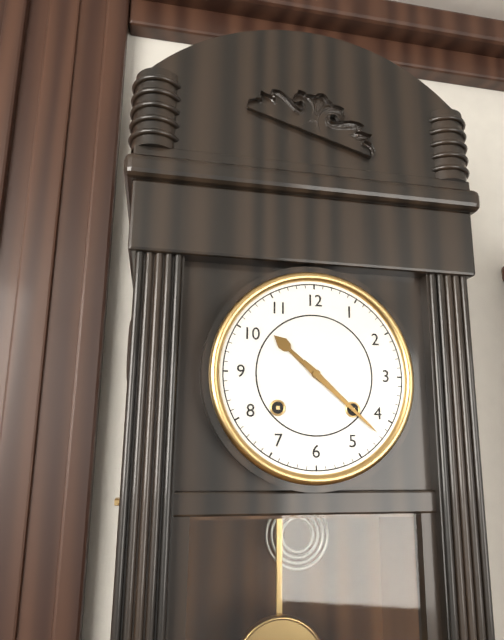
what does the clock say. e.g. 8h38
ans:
10h22
